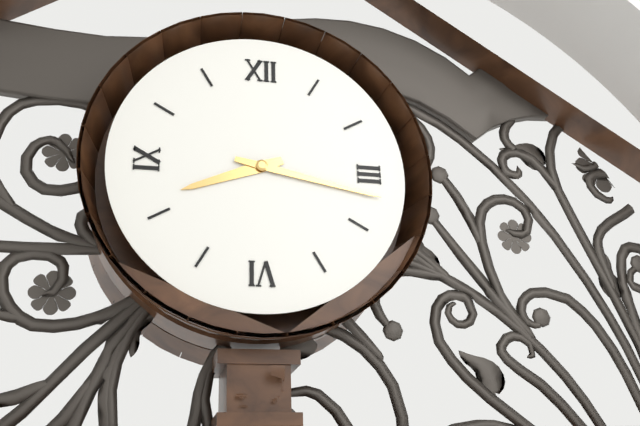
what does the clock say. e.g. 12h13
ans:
8h17
